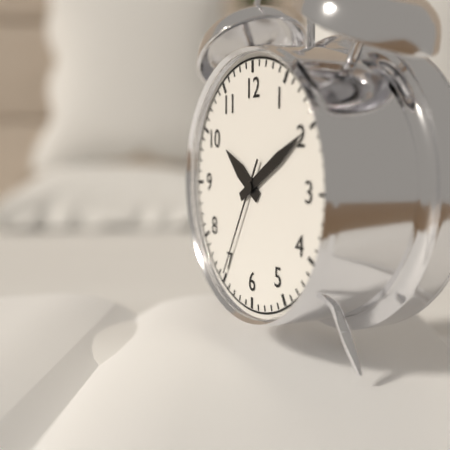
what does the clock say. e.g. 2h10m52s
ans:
10h10m35s
